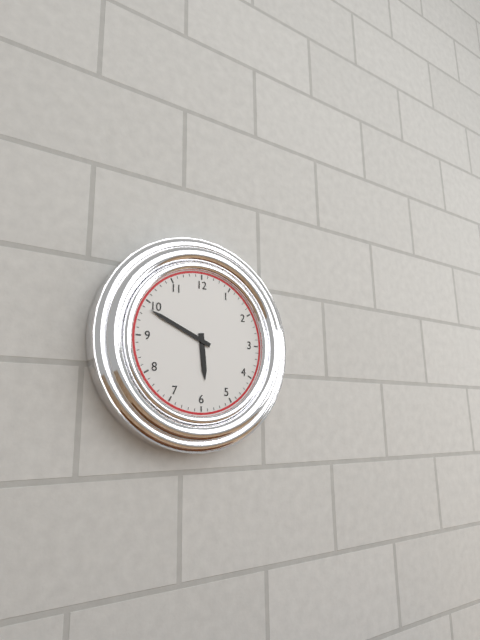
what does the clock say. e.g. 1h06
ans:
5h49
